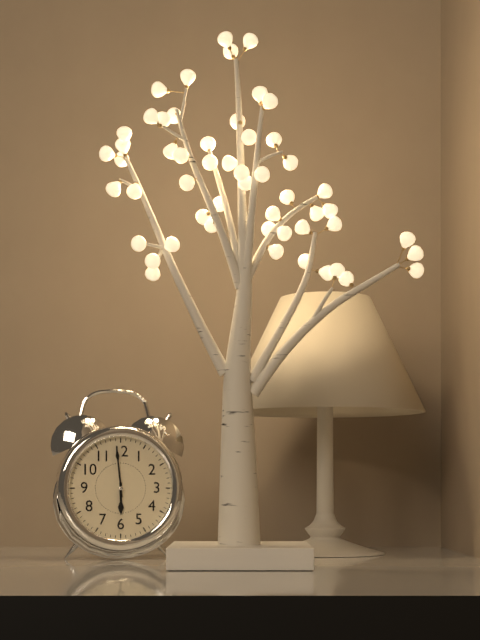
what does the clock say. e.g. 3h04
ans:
5h59
